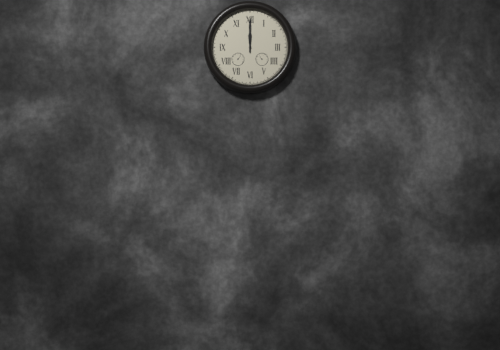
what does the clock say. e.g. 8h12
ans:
12h00
